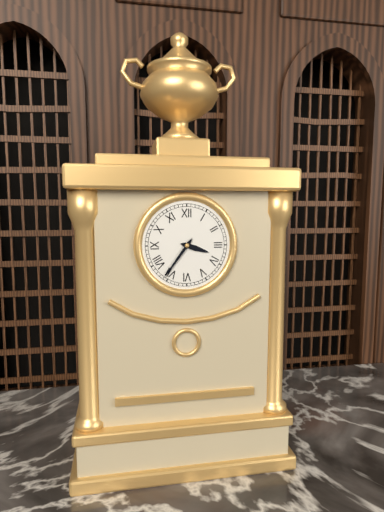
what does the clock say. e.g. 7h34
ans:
3h36
